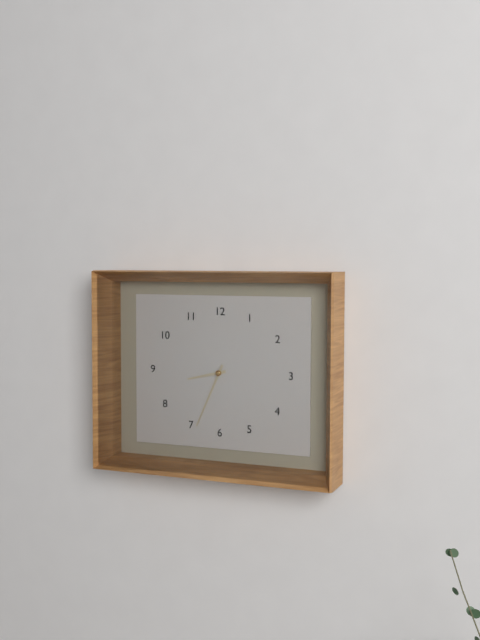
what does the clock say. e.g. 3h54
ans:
8h34
